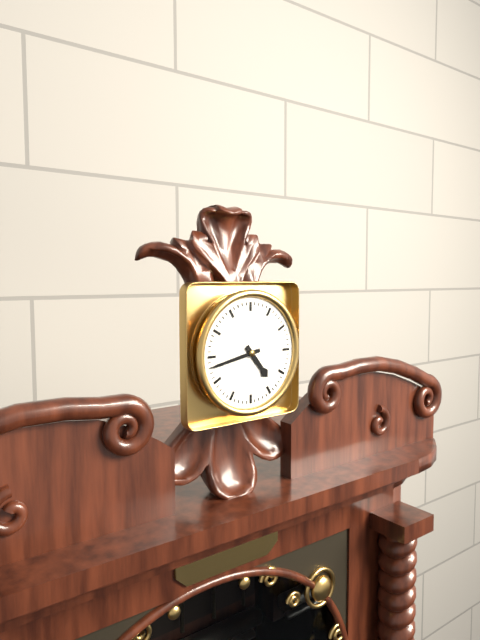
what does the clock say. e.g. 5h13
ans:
4h43
